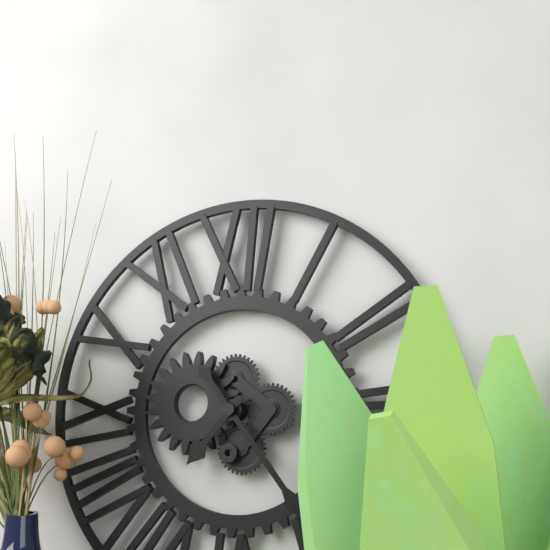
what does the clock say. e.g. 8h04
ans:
7h24
